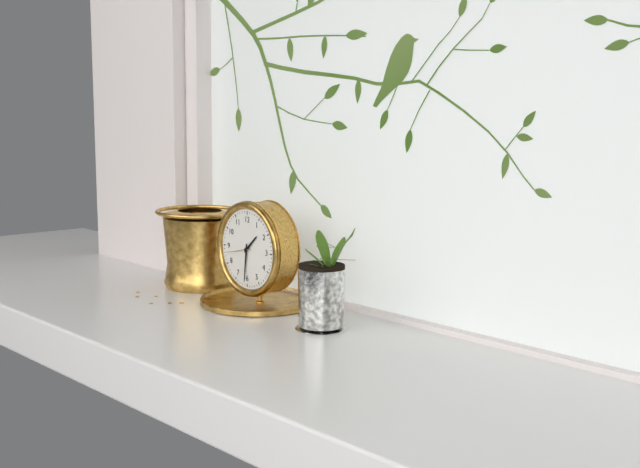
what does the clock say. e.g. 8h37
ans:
1h31
